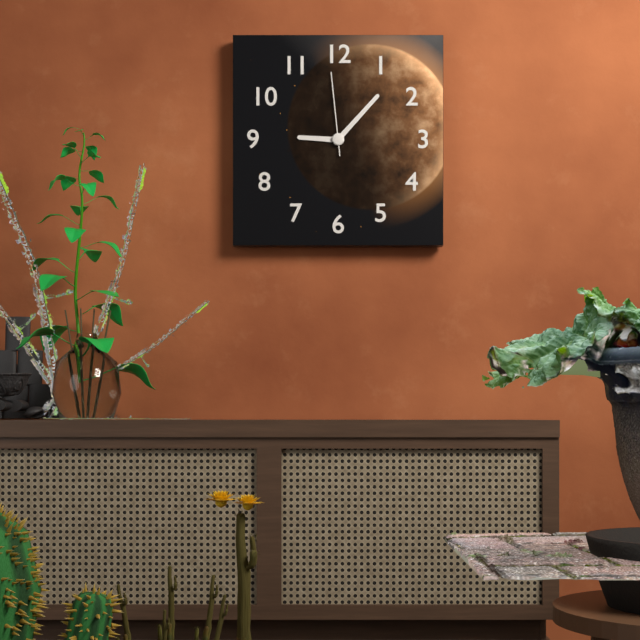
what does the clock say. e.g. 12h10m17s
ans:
9h07m59s
